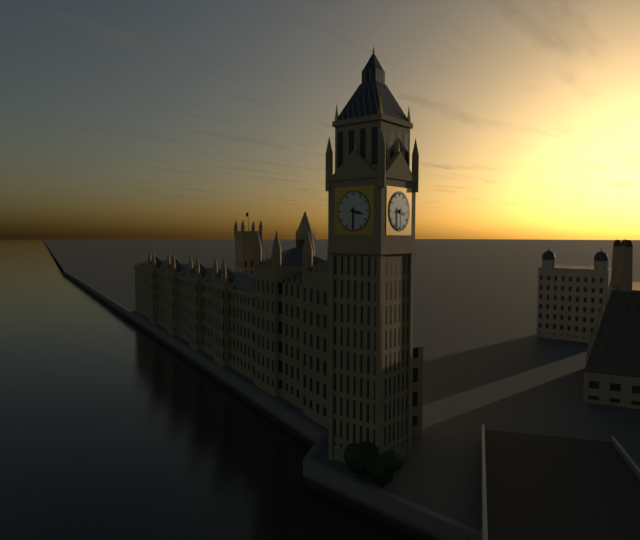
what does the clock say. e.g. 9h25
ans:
3h30
